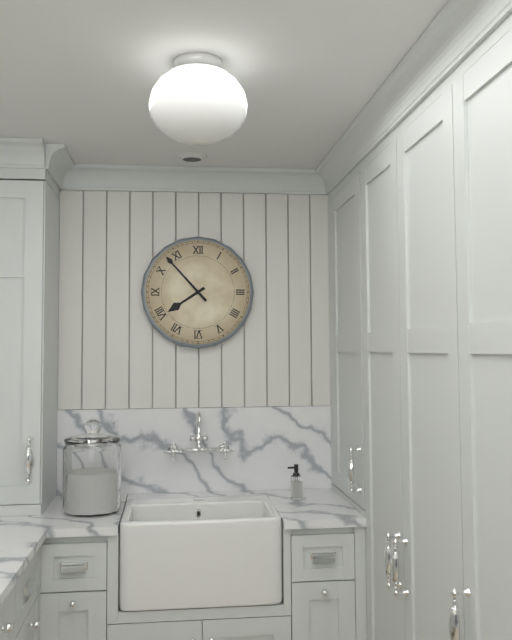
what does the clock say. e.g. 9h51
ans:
7h53
